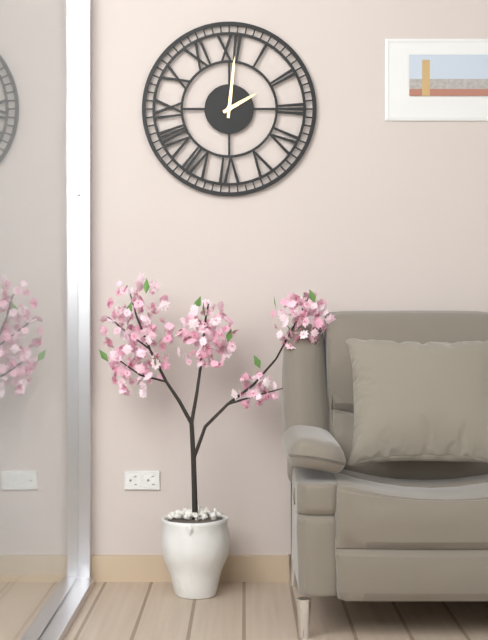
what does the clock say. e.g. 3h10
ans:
2h01
